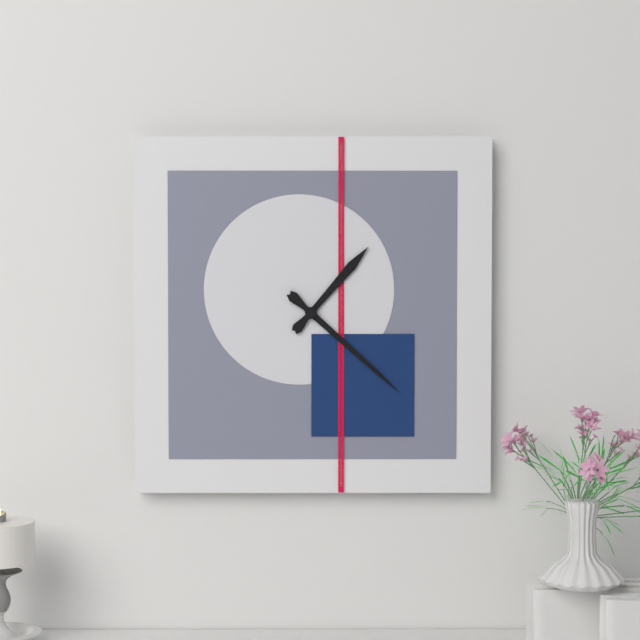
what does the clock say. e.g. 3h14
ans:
1h22
